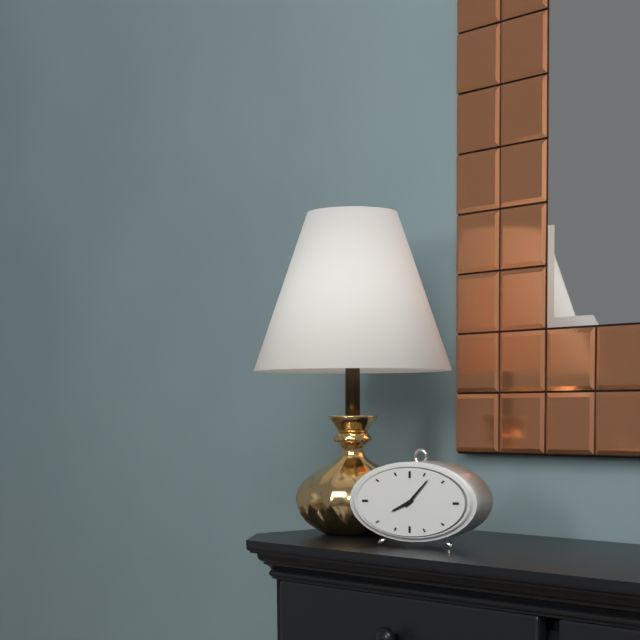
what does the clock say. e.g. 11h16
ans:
8h07
